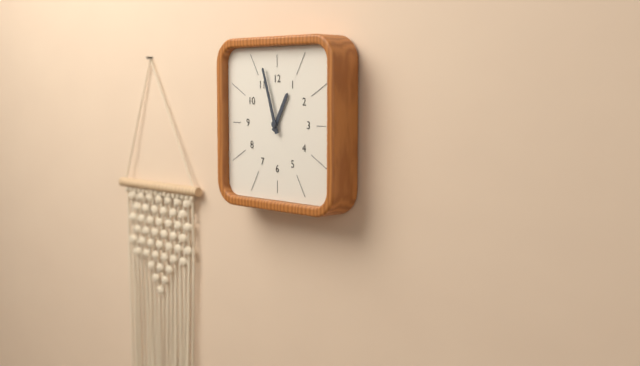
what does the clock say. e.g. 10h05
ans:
12h57
